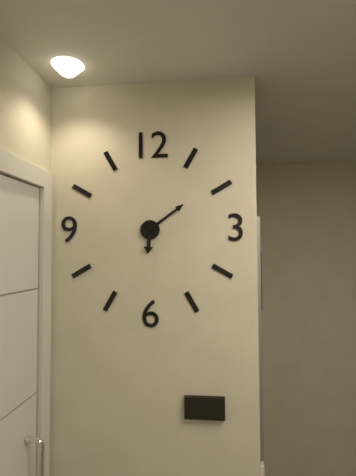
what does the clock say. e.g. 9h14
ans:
6h09
